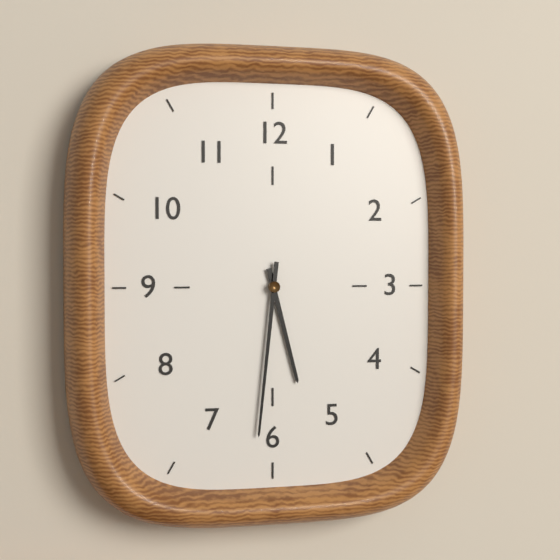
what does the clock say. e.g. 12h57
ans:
5h31
